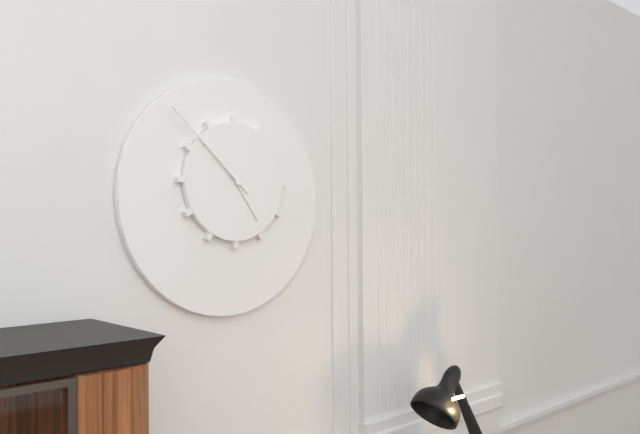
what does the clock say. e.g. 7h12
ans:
4h52
